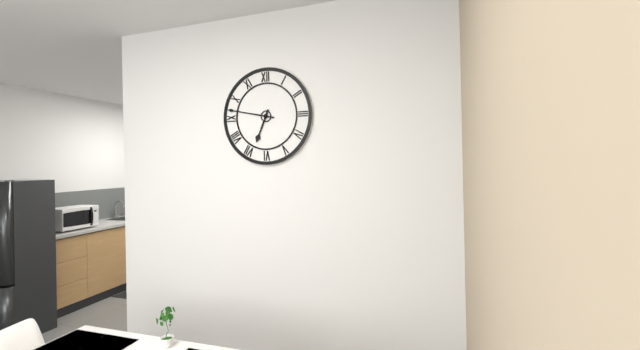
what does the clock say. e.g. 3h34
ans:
6h47
